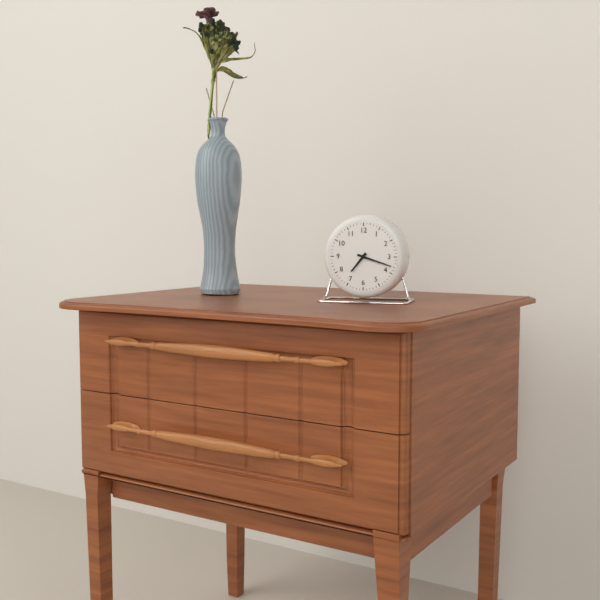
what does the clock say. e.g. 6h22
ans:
7h18
